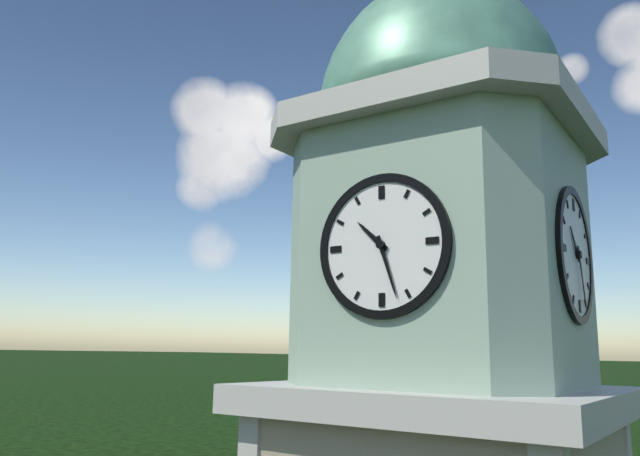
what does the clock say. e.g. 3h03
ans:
10h27
